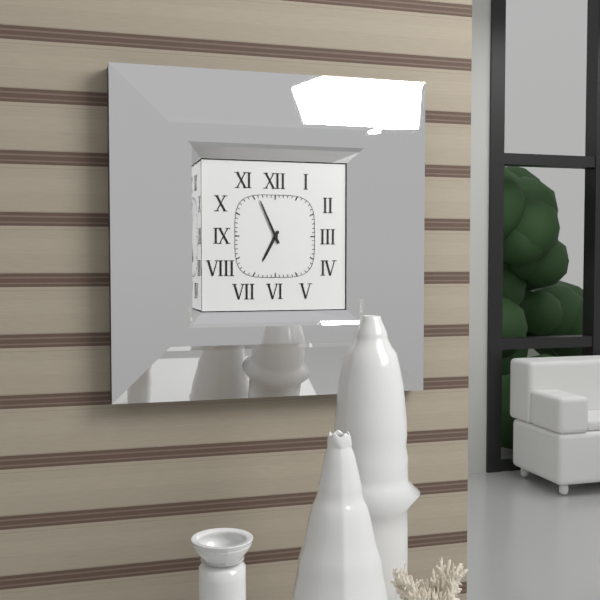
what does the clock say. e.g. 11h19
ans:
6h56
